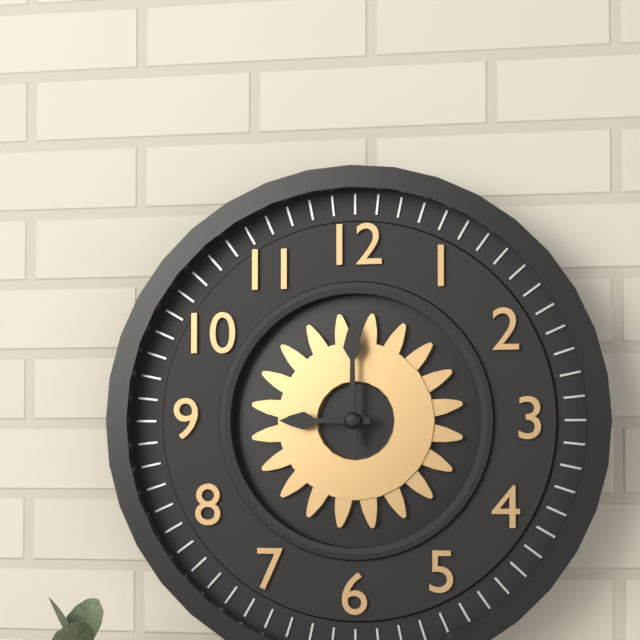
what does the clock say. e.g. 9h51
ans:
9h00
